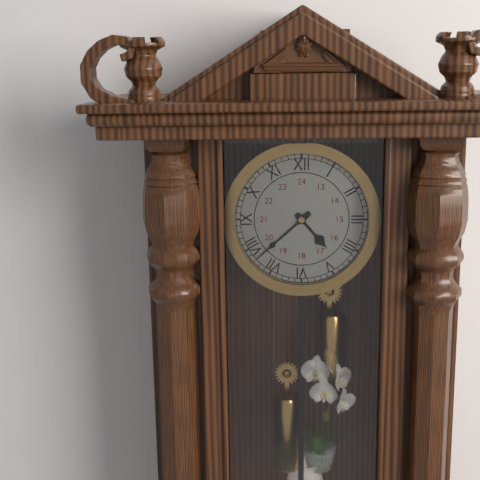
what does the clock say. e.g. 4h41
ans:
4h38
